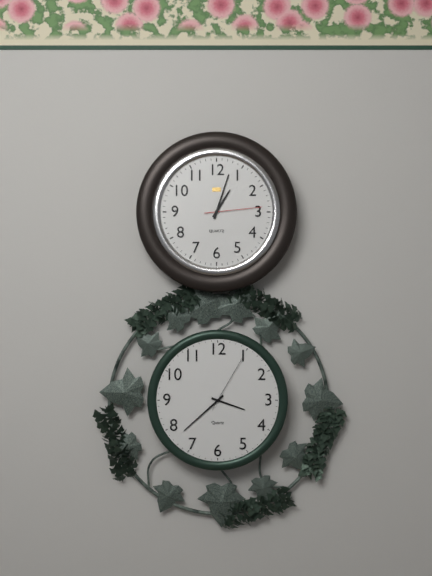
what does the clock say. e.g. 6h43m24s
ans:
1h03m14s
